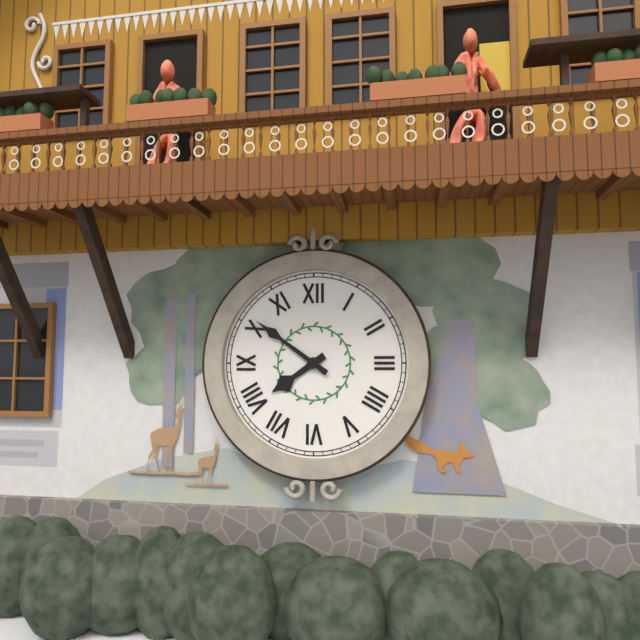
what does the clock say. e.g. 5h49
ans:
7h51
